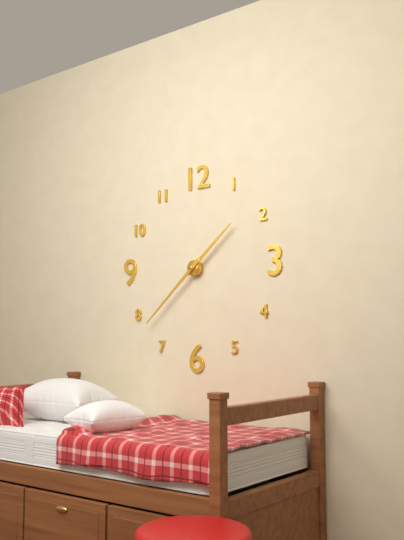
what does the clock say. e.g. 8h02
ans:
1h38
